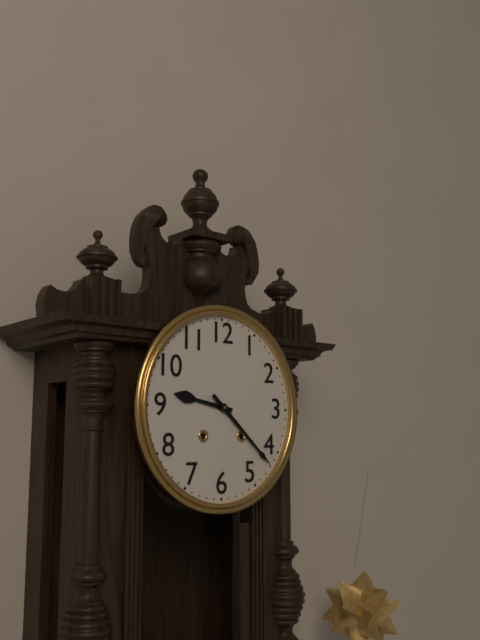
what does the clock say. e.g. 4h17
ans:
9h22
